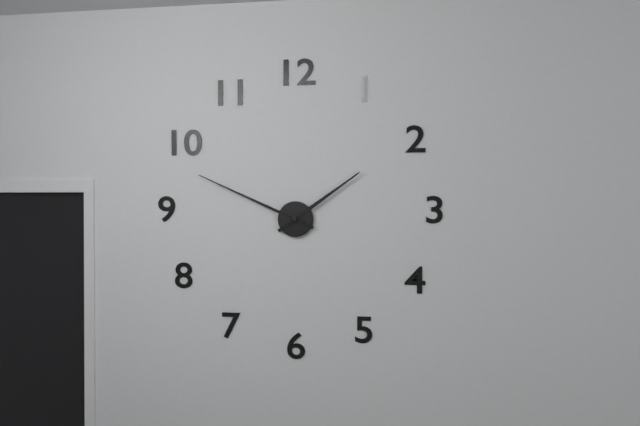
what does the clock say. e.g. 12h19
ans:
1h49
